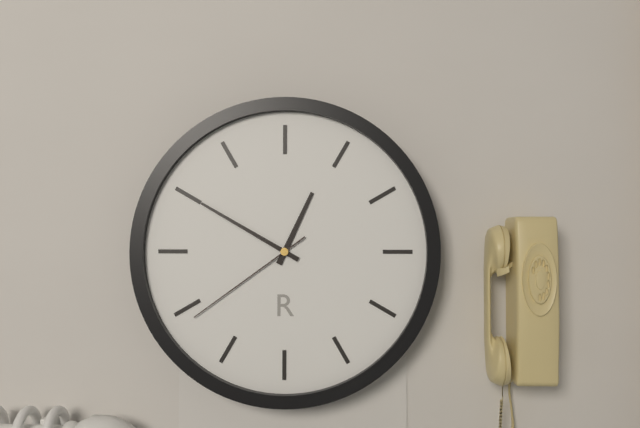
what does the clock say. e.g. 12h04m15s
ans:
12h50m39s
